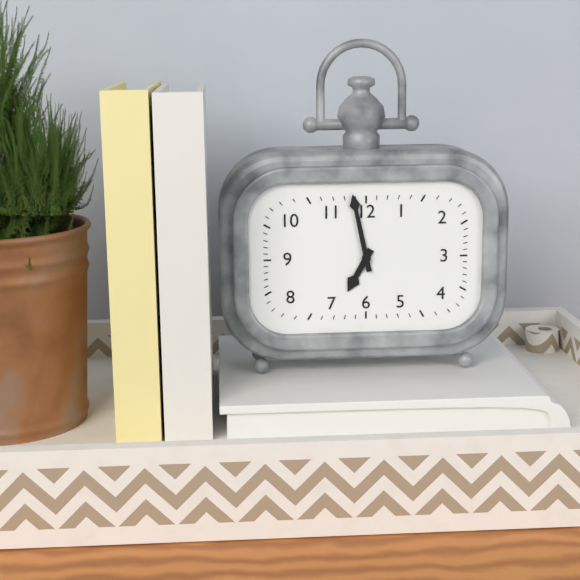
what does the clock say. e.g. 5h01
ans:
6h58
